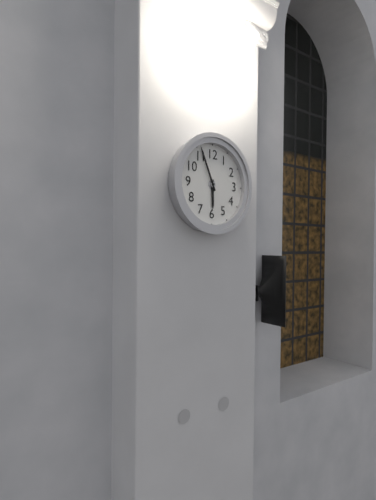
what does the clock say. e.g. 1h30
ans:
5h56
